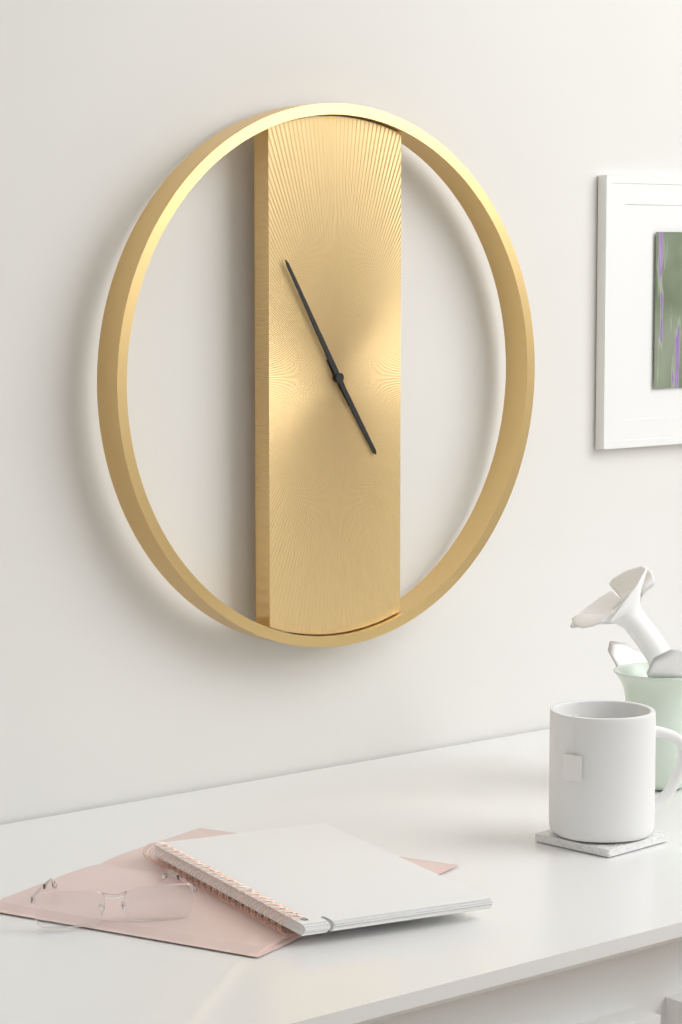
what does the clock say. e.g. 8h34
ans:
4h55
